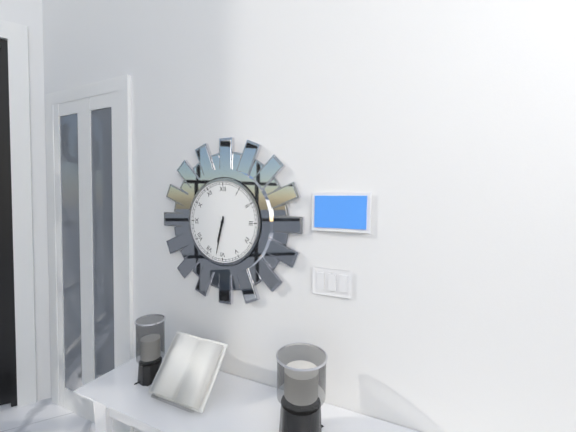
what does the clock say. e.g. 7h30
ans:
6h32
